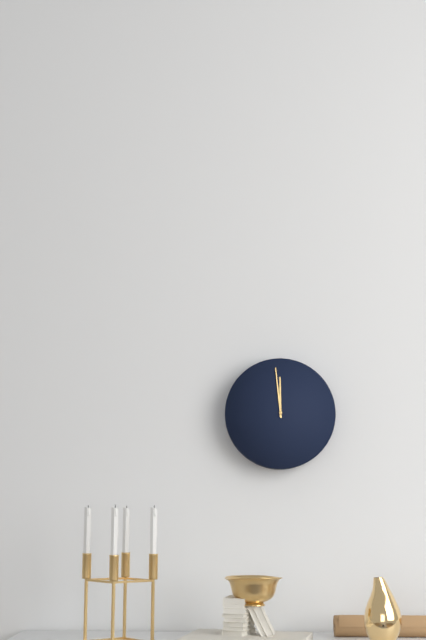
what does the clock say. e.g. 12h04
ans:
11h59
